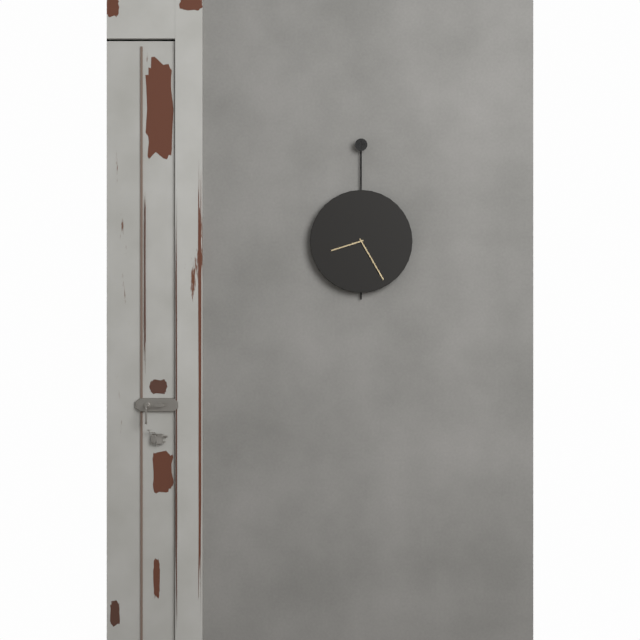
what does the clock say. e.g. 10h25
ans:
8h25
